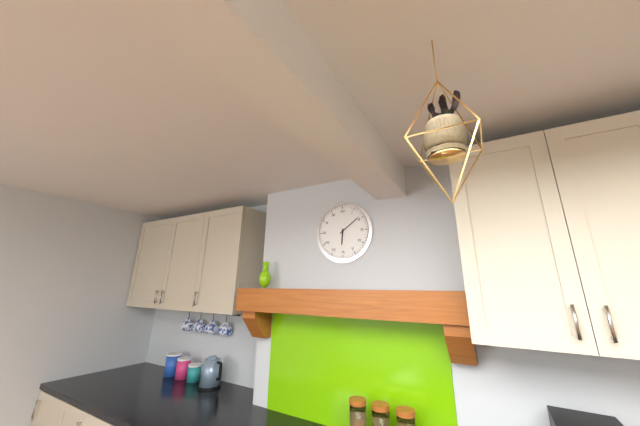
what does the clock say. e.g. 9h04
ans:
6h09
